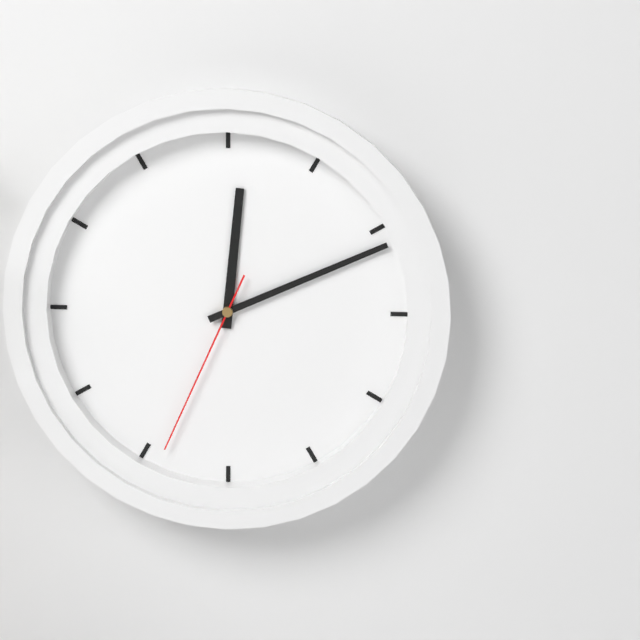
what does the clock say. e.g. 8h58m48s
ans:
12h11m34s
